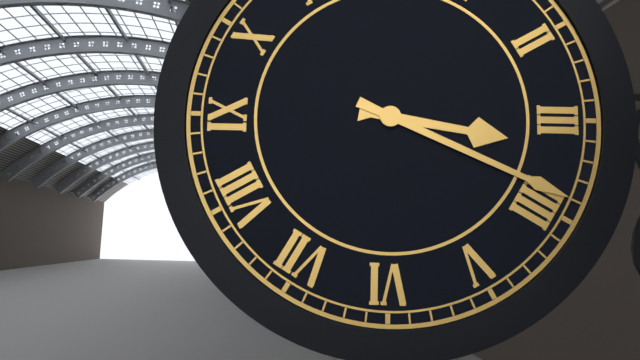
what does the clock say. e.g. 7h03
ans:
3h19
